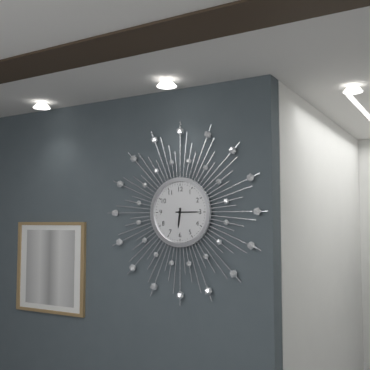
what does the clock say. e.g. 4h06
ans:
6h15
